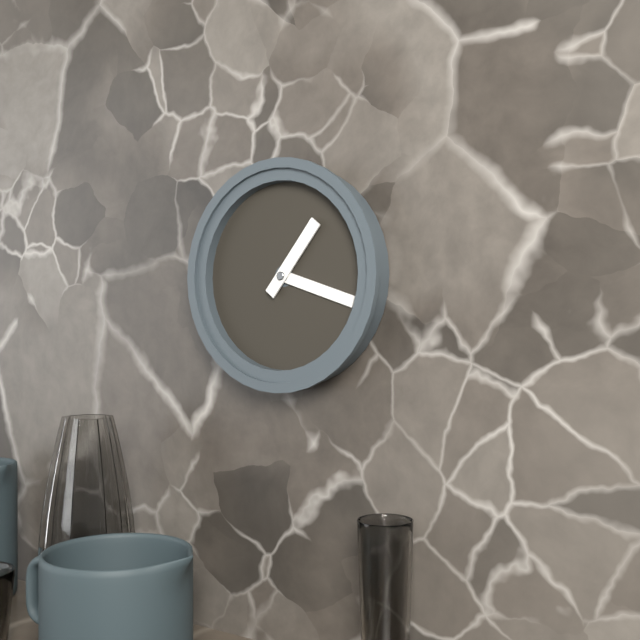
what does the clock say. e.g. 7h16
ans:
1h18
